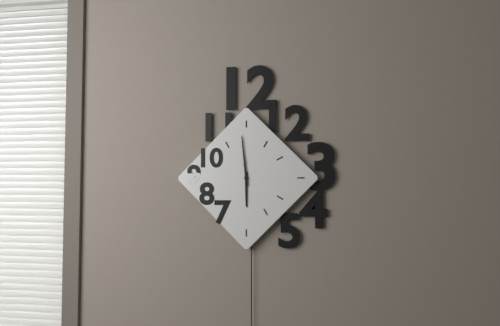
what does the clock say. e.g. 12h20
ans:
5h59
